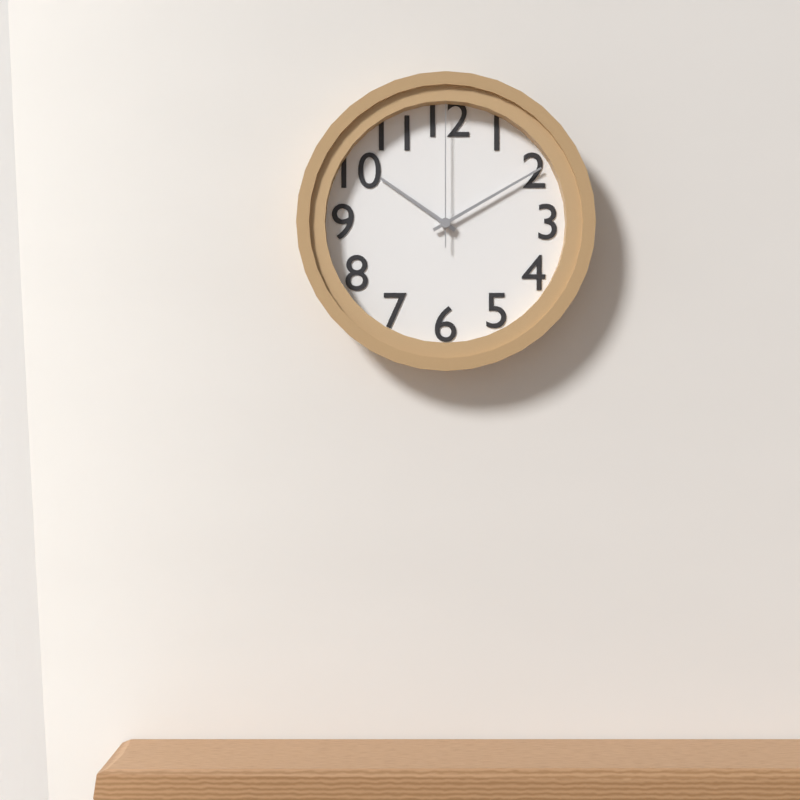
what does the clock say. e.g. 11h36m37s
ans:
10h10m00s
